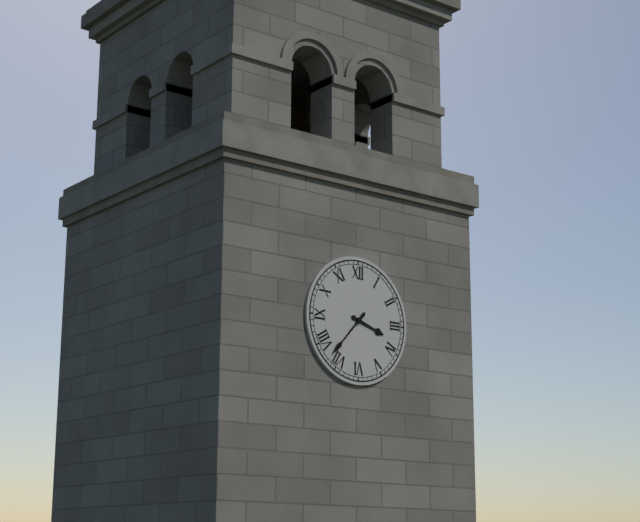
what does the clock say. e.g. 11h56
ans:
3h37
